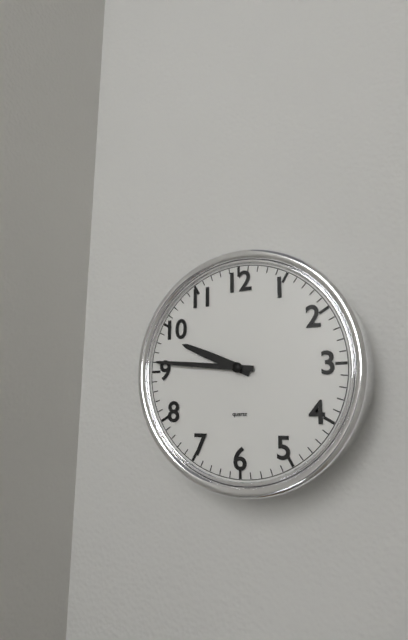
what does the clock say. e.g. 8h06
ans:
9h46
